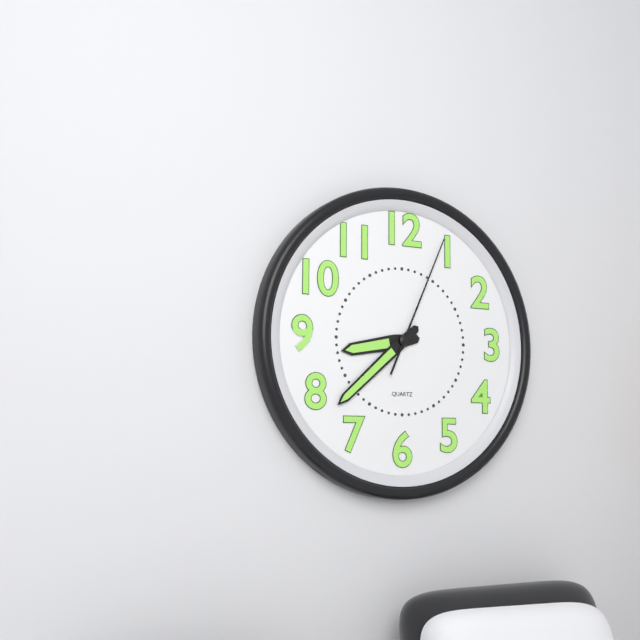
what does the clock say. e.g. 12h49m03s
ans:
8h38m04s
